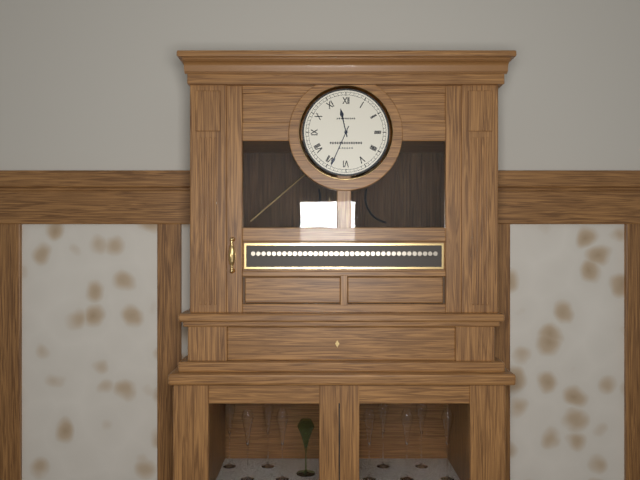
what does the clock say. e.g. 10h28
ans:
11h34
